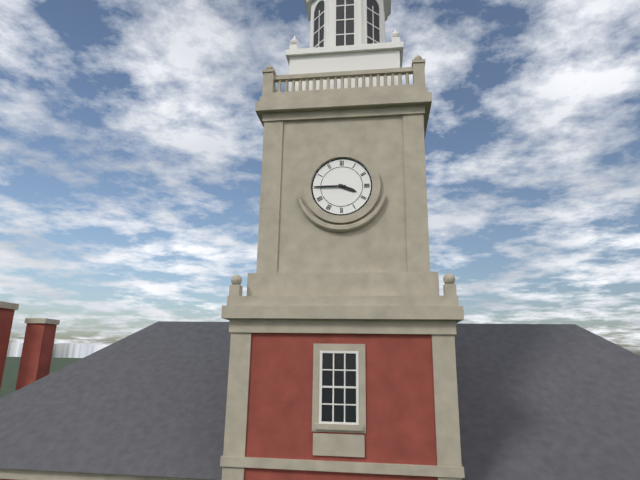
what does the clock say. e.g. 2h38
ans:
3h45
